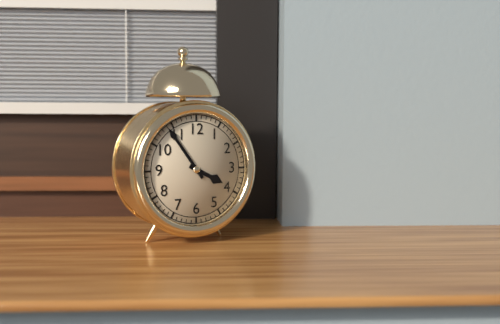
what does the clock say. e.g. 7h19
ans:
3h54
